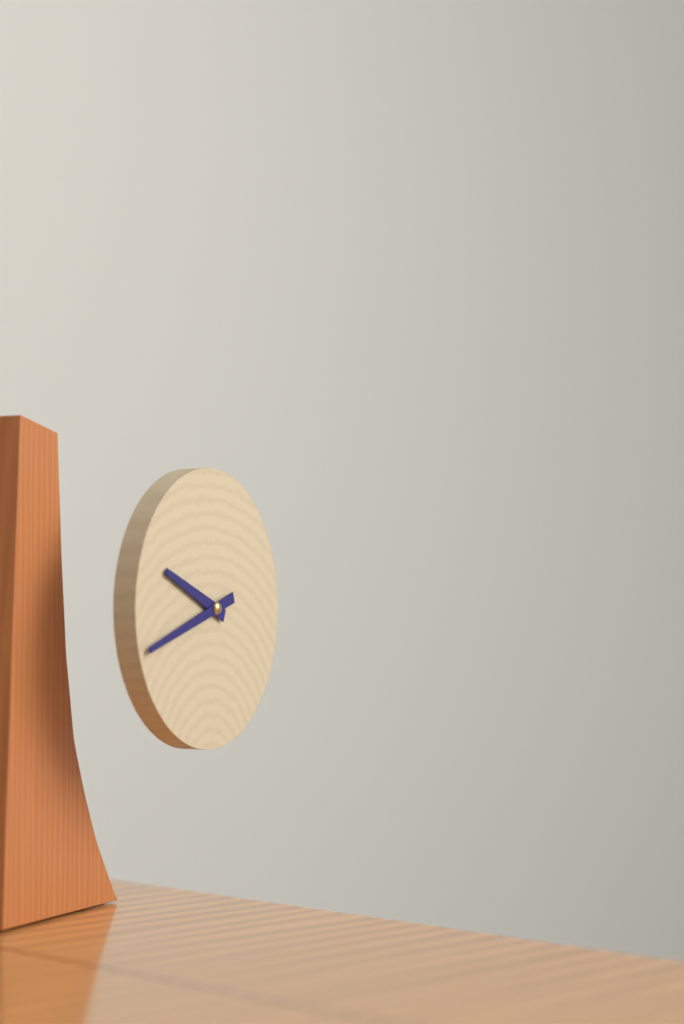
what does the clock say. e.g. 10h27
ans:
9h42
